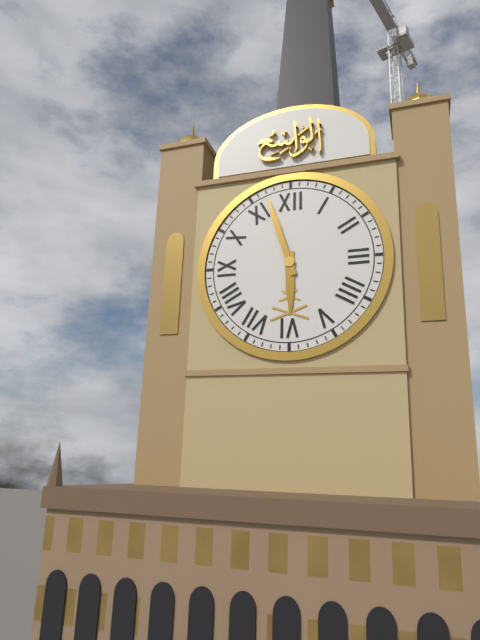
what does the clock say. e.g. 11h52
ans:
5h57
